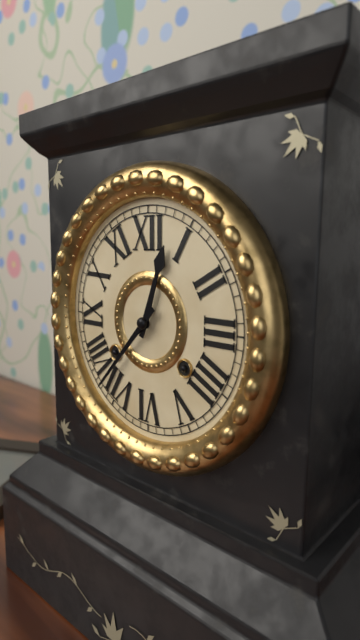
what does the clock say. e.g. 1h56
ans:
12h37
